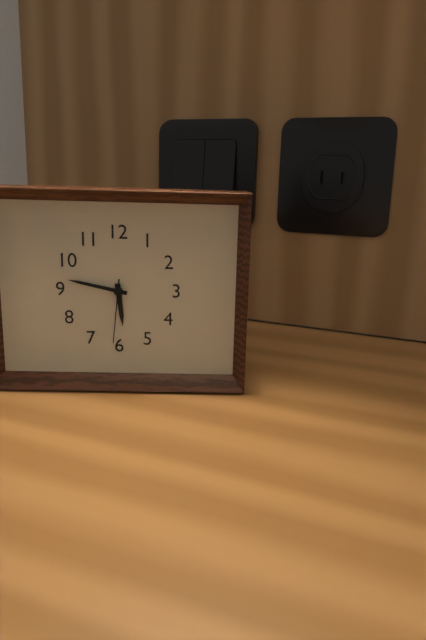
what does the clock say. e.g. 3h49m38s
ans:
5h47m31s
